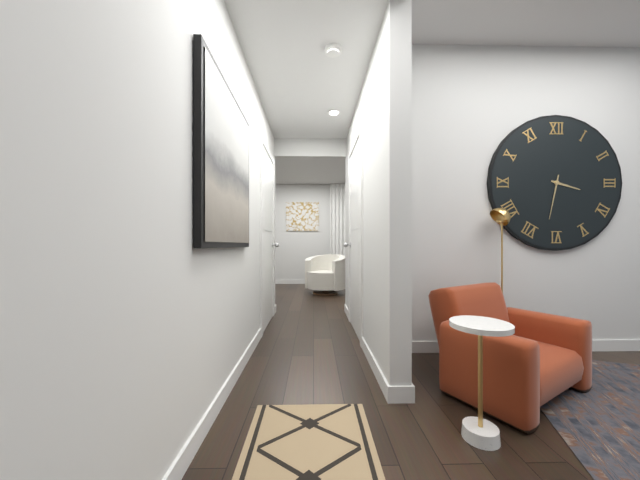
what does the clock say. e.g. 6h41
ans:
3h32
